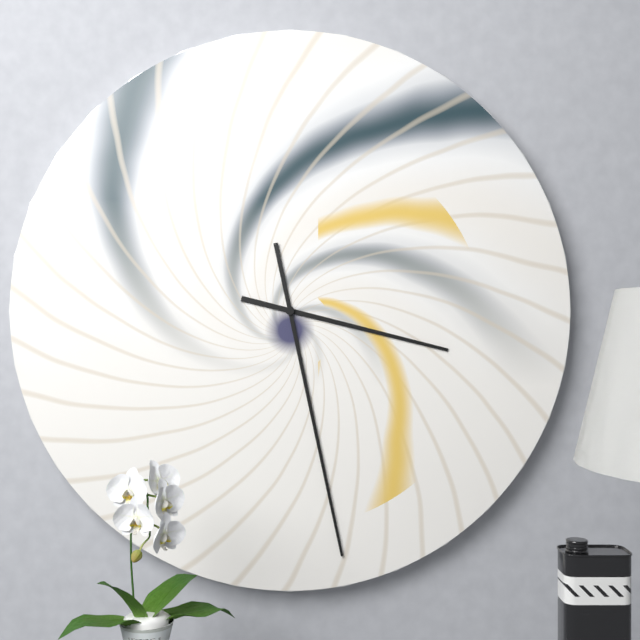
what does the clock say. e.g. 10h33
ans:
3h28
